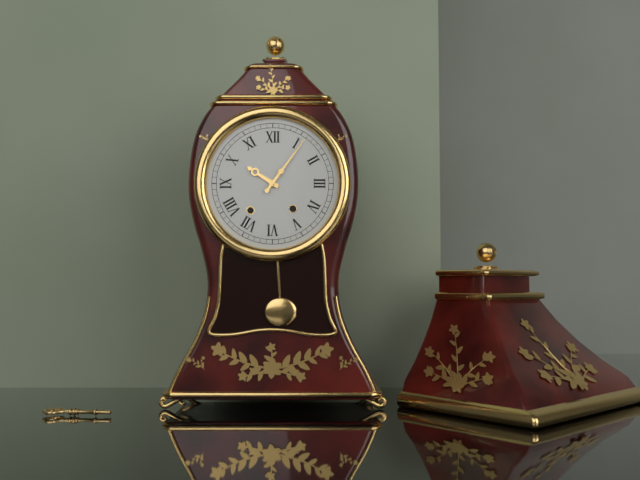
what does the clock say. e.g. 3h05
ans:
10h06
